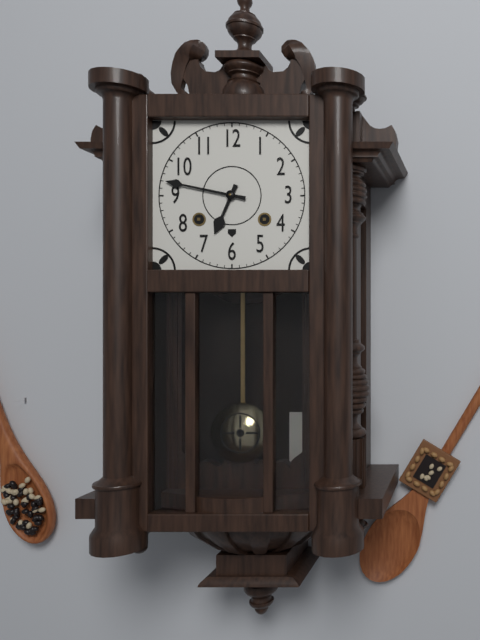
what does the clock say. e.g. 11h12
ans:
6h47
